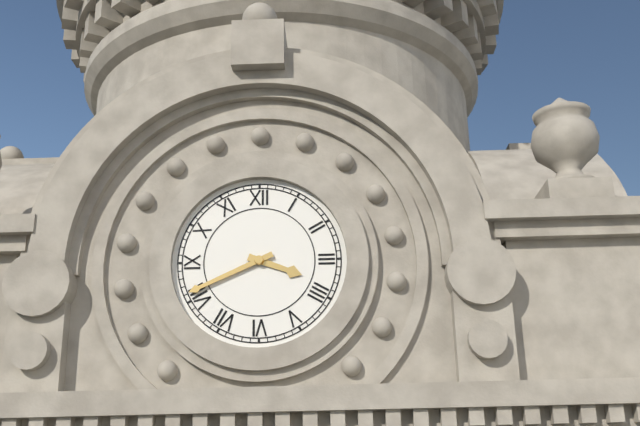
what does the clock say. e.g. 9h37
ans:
3h41
